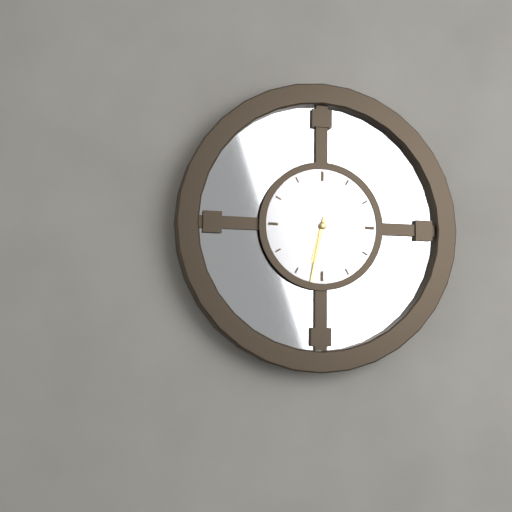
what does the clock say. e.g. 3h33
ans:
6h32
